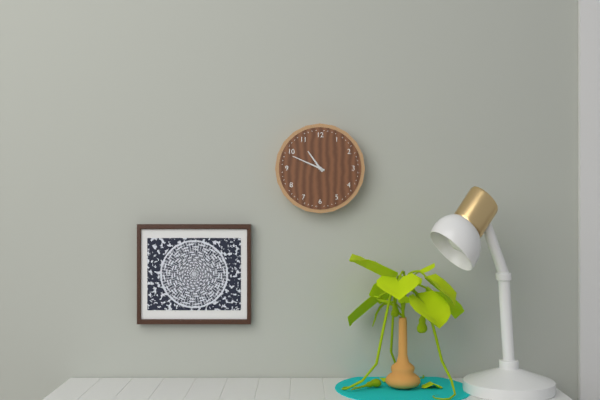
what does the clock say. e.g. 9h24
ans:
10h49
